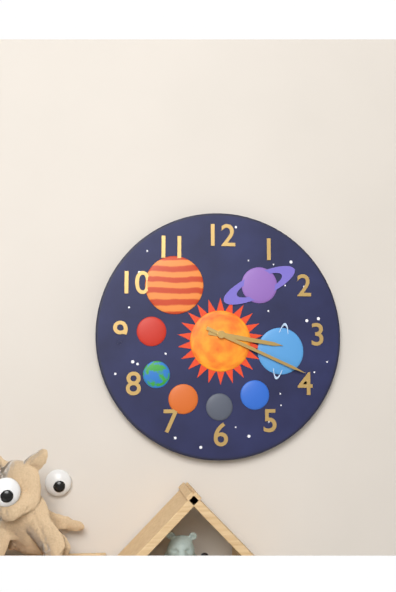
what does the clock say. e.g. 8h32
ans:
3h19
